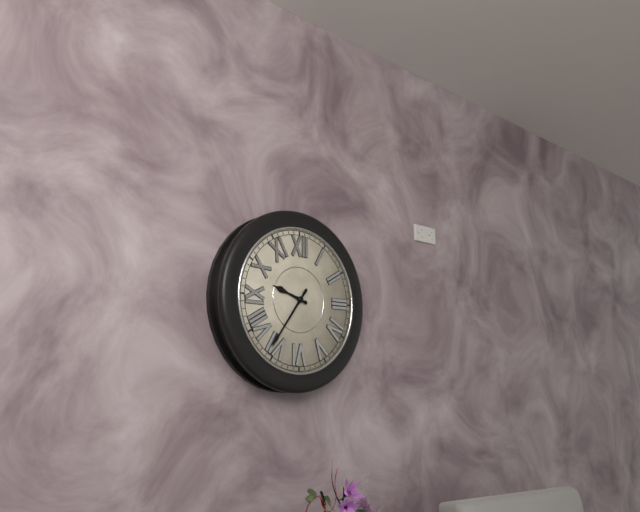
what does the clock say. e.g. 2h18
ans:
9h36
